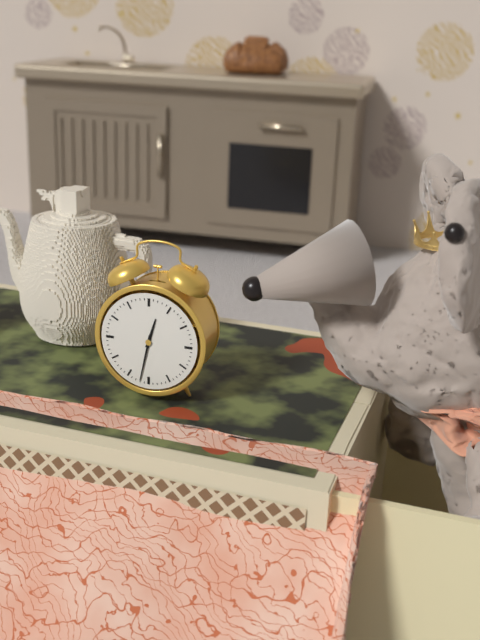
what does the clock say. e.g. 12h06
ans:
12h32
